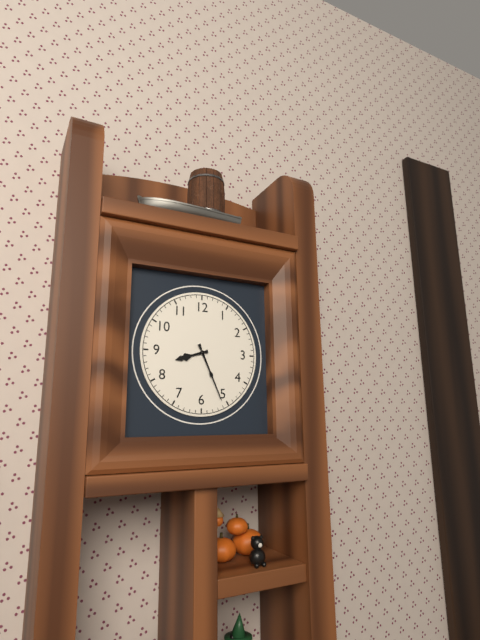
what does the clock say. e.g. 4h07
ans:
8h26
